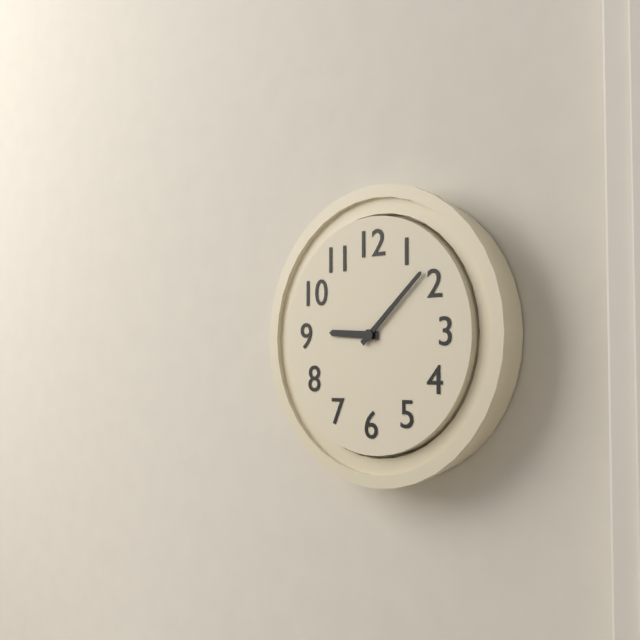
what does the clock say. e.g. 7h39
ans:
9h08
